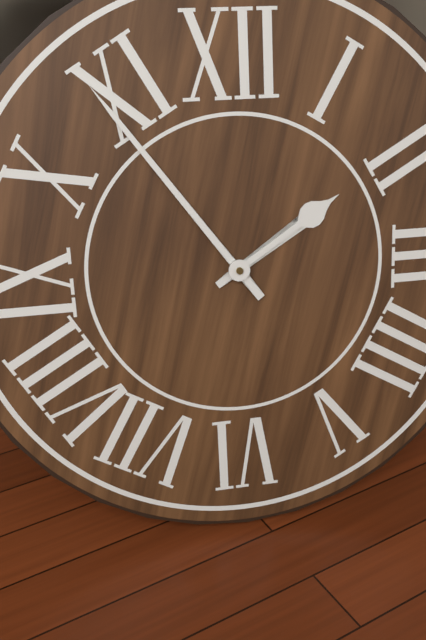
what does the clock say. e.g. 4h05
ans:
1h54
